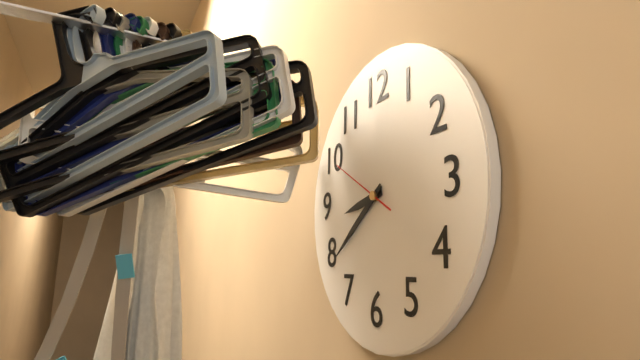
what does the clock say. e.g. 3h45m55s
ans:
8h39m50s
